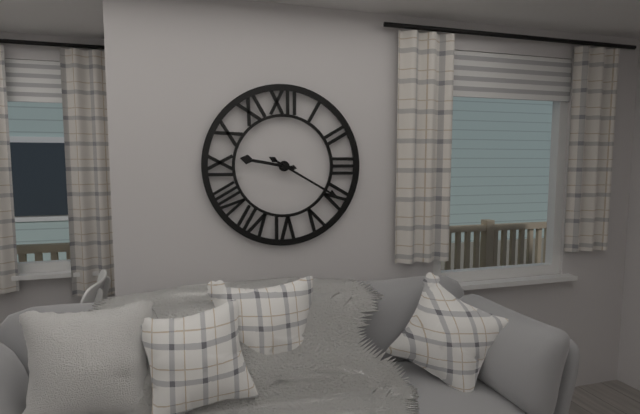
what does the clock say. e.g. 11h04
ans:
9h20
